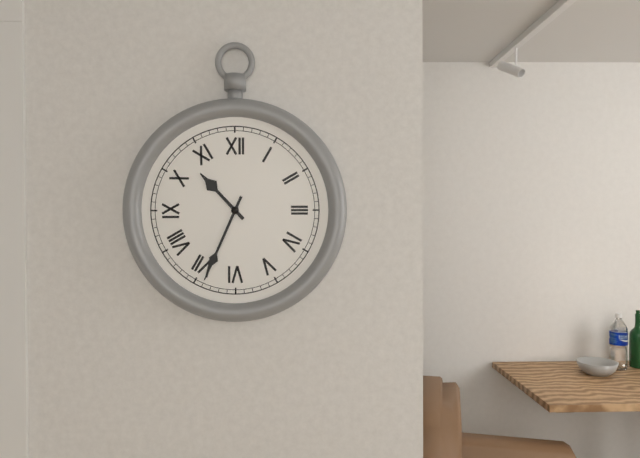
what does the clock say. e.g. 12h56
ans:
10h34
